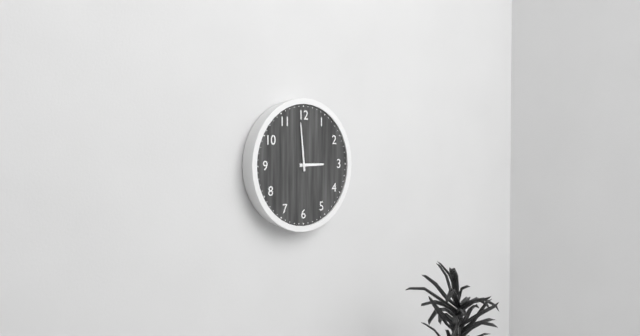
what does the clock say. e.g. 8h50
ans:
2h59
